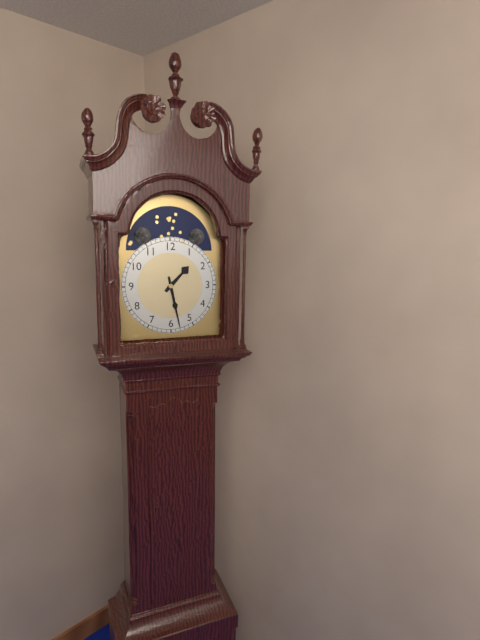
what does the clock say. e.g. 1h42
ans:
1h28
